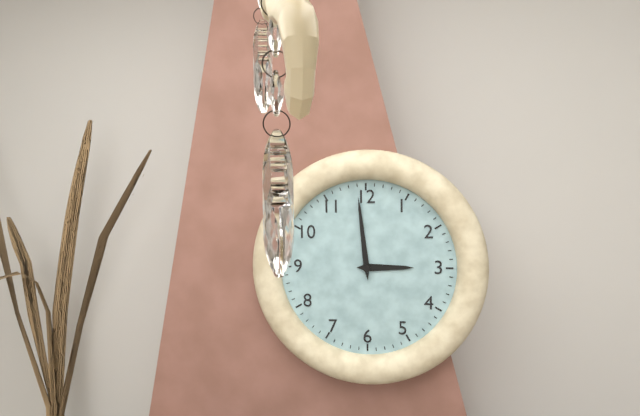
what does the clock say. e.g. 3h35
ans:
2h59
